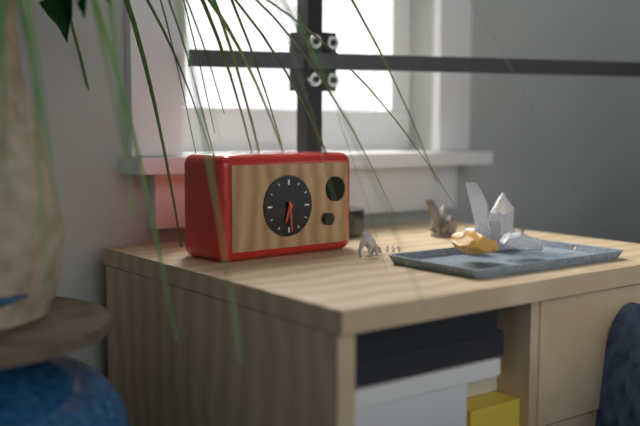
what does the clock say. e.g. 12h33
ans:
6h29
